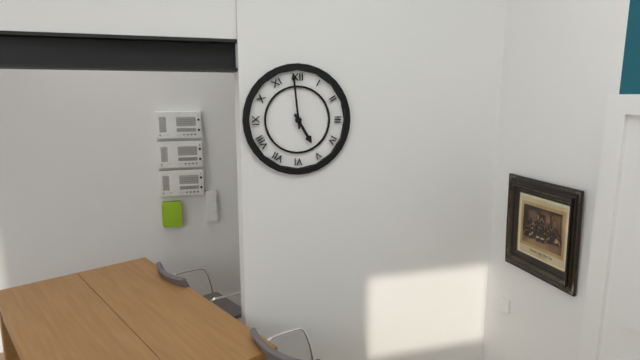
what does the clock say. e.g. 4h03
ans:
4h59
